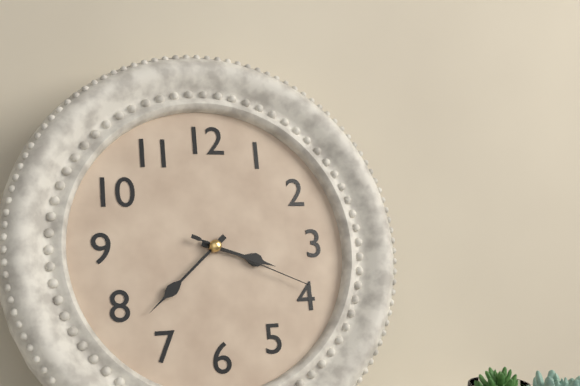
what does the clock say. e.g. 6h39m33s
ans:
3h38m19s
